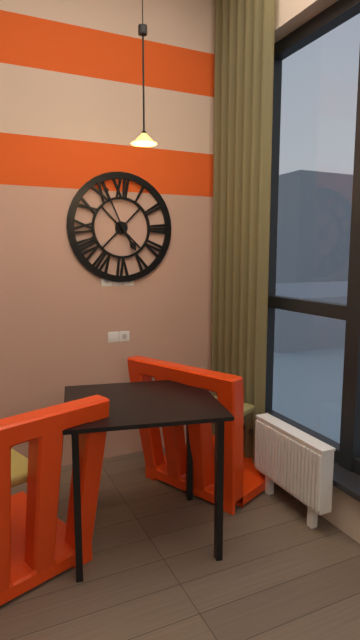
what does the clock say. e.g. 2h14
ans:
4h56
